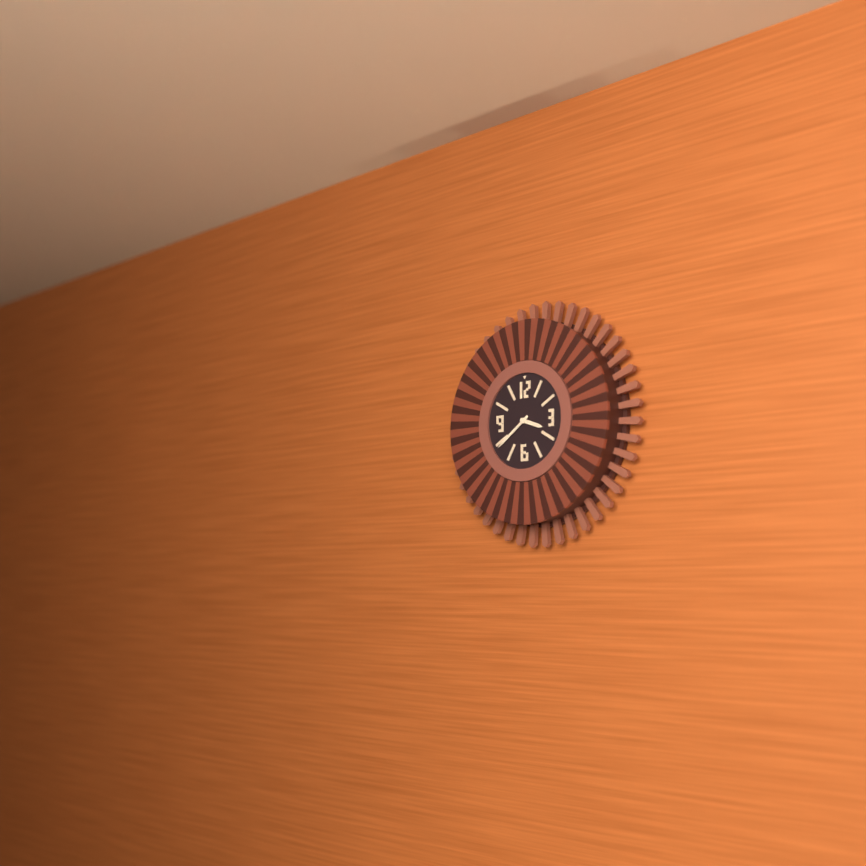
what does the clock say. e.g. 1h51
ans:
3h39
